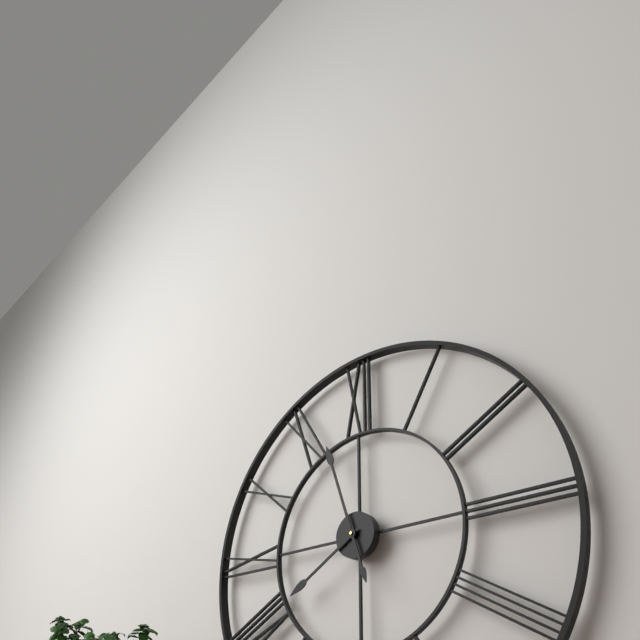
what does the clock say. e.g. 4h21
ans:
7h57
